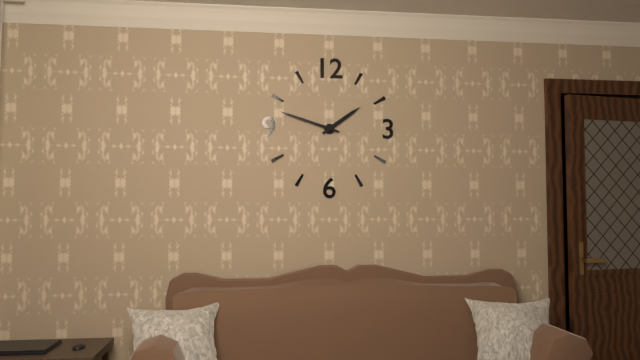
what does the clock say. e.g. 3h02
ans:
1h48
